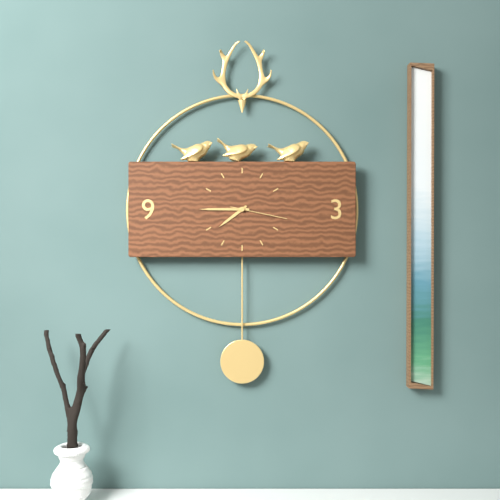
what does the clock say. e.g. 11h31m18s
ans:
7h45m17s
